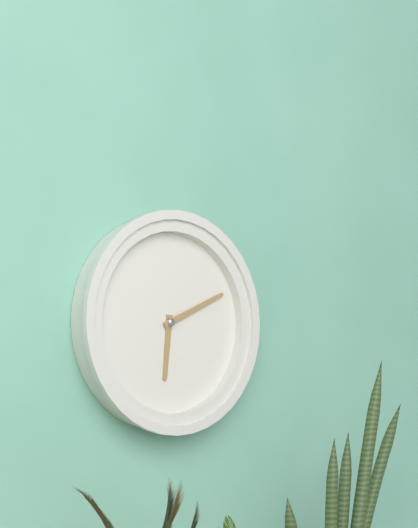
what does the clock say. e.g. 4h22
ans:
6h11
